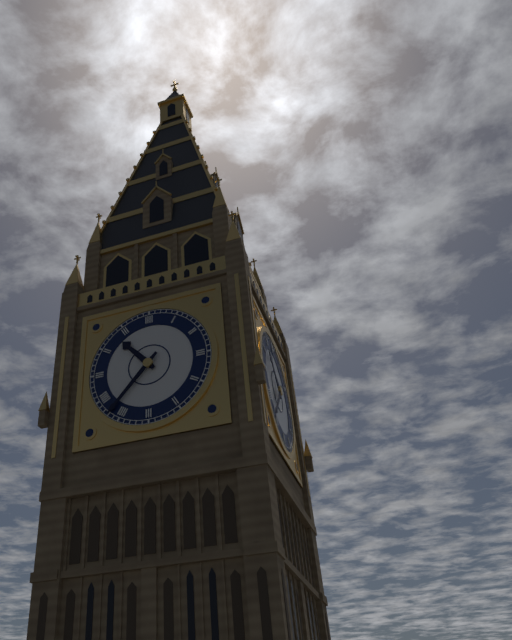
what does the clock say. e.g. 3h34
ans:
10h37
